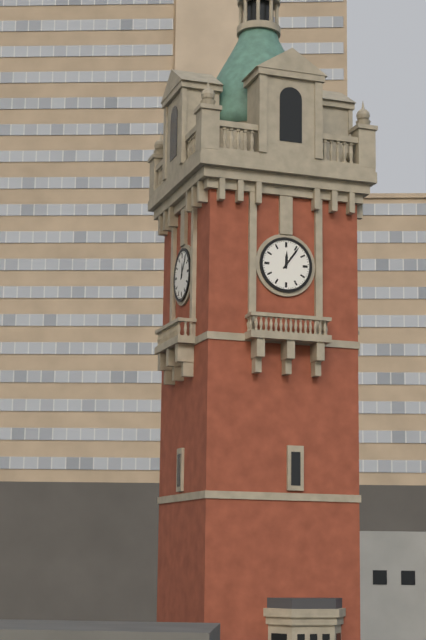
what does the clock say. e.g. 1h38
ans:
12h06
